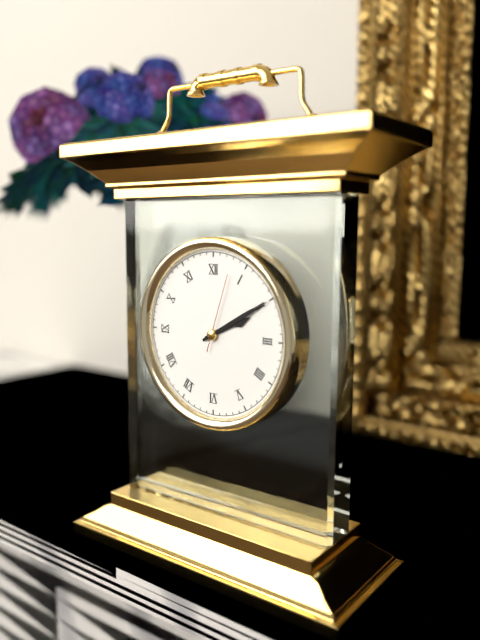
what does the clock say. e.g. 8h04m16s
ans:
2h10m03s
